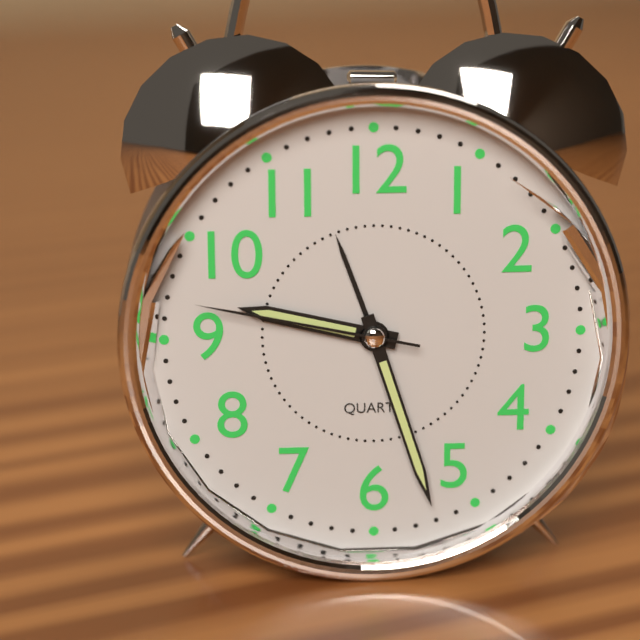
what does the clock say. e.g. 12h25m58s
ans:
9h27m47s
